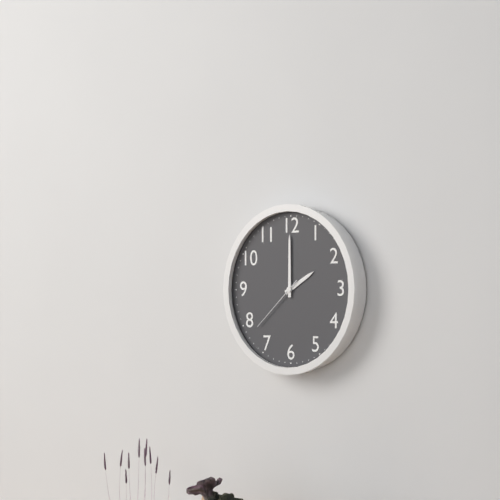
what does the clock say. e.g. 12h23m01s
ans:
2h00m38s
